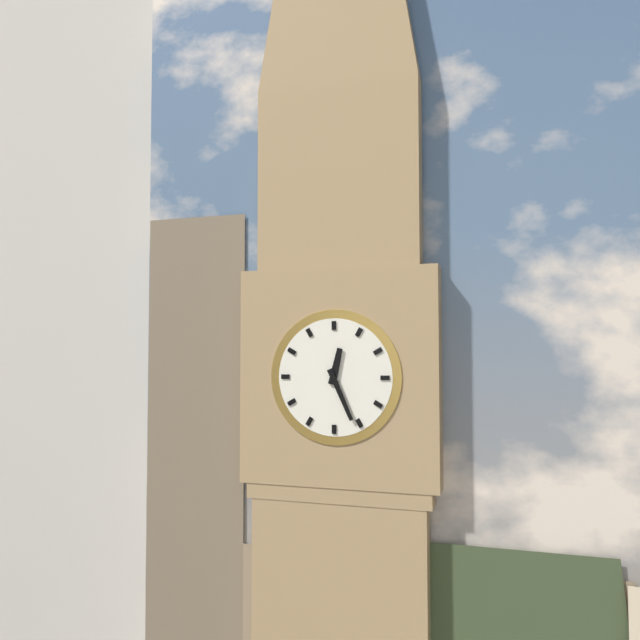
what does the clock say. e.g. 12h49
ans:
12h26
